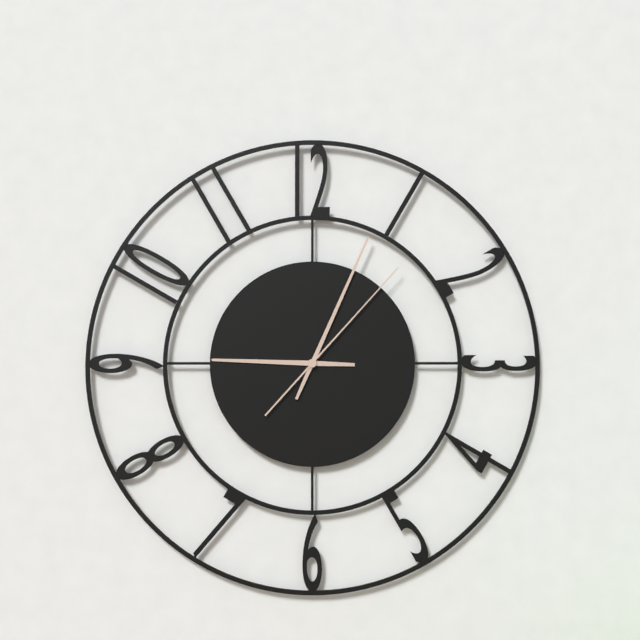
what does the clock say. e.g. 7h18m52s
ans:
9h04m07s
